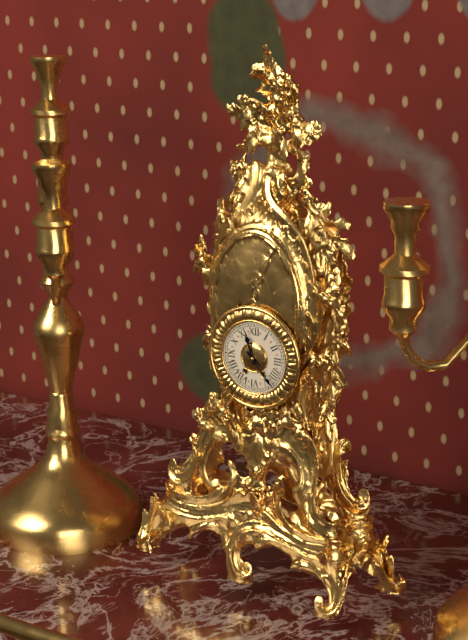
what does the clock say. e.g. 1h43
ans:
11h23
